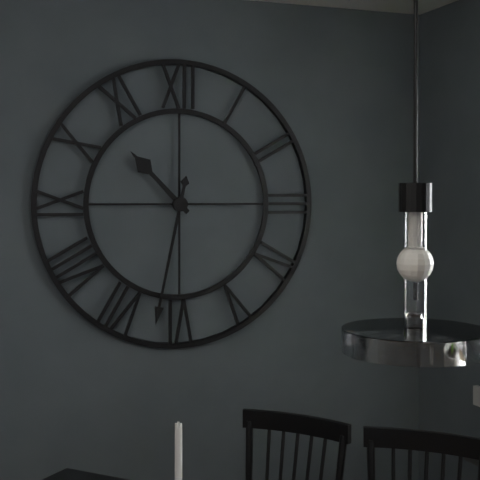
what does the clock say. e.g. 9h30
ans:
10h32
